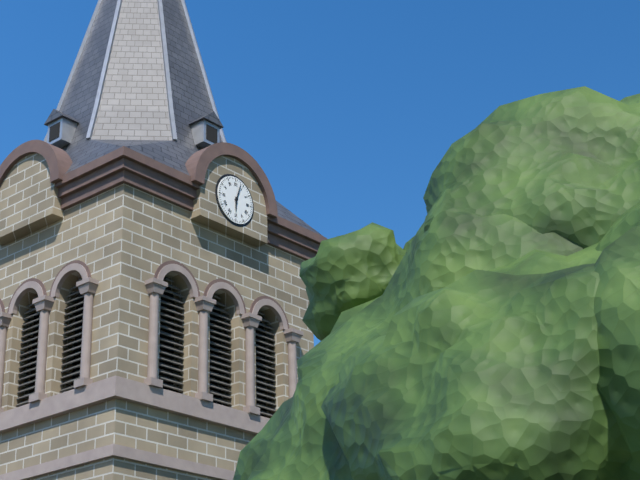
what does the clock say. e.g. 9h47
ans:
6h03
